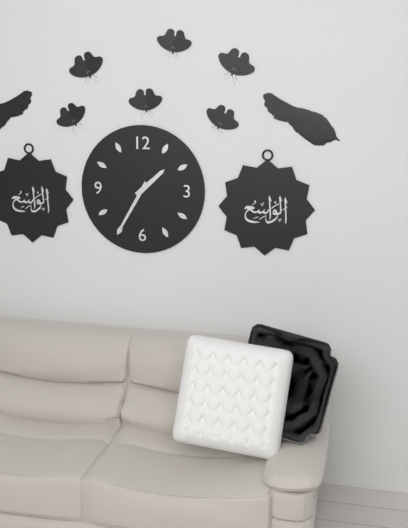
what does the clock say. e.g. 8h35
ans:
1h35
